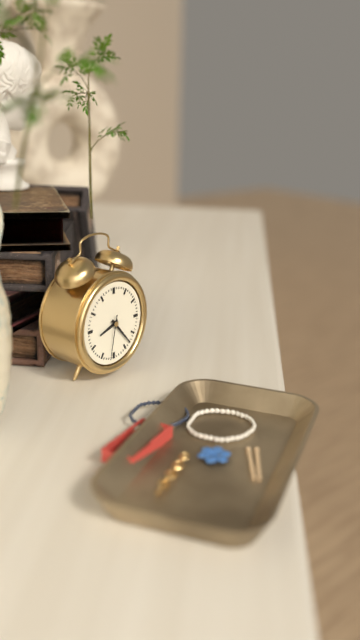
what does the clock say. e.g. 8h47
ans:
8h23
